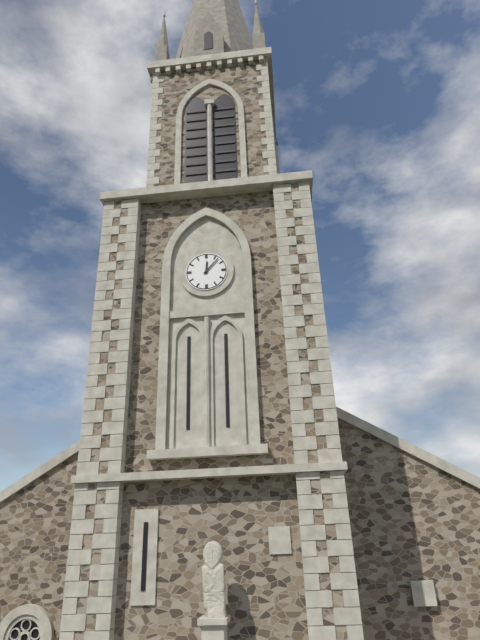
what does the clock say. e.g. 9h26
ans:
12h07
